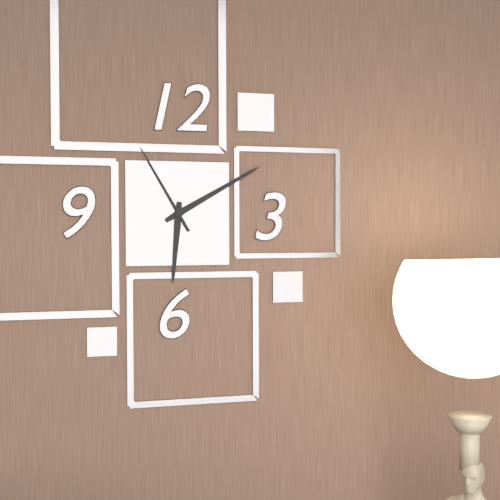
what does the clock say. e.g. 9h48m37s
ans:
6h10m55s
